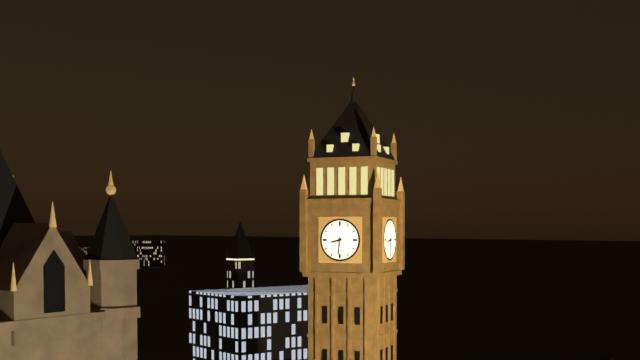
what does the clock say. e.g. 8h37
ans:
8h31
